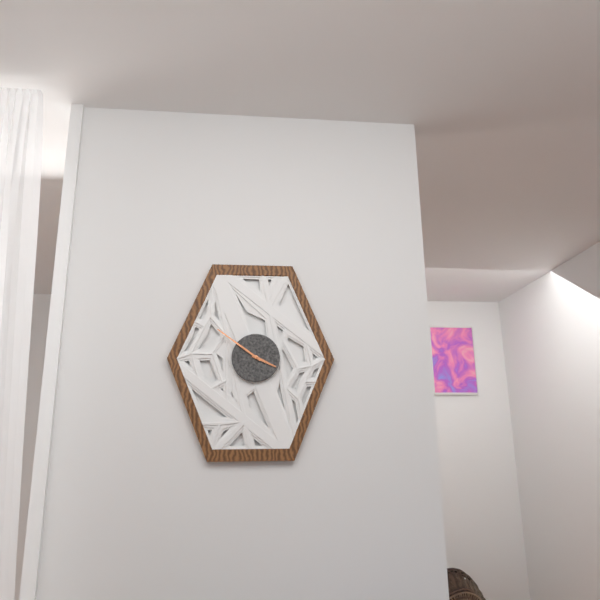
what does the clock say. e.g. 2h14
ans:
3h51
